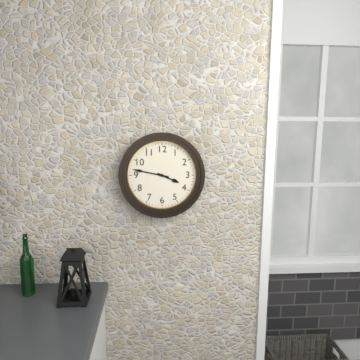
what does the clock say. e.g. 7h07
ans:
3h47
